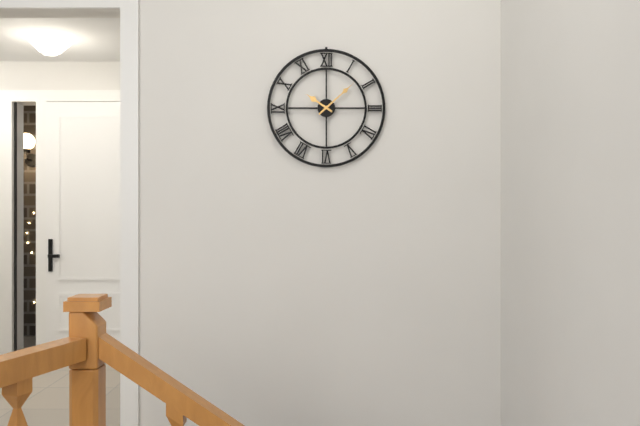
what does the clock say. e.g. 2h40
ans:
10h08
